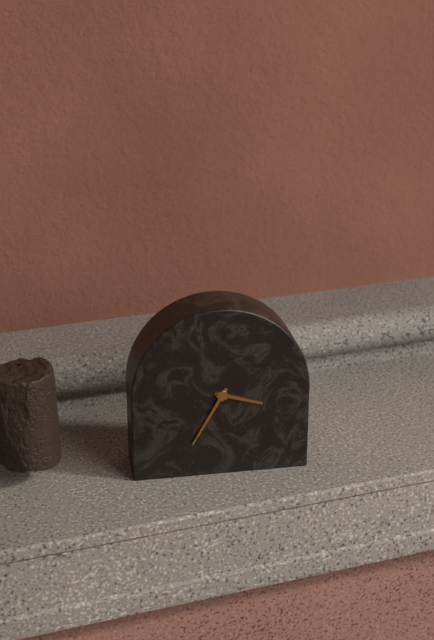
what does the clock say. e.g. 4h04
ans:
3h35
